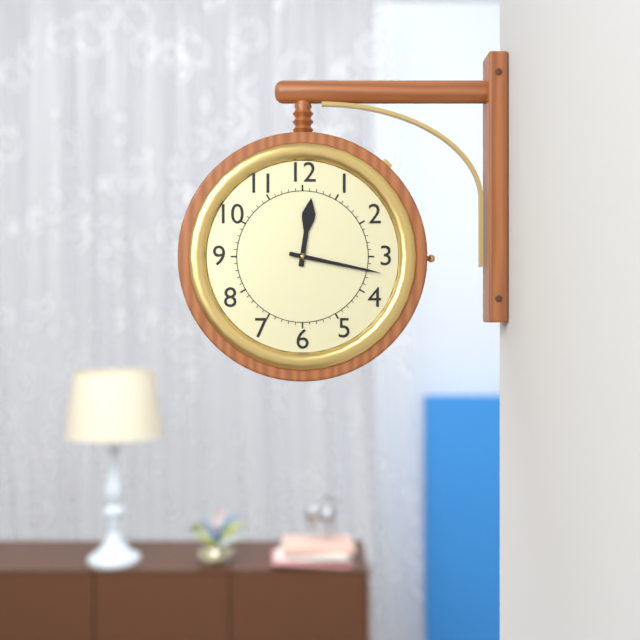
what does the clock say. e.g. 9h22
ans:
12h17
